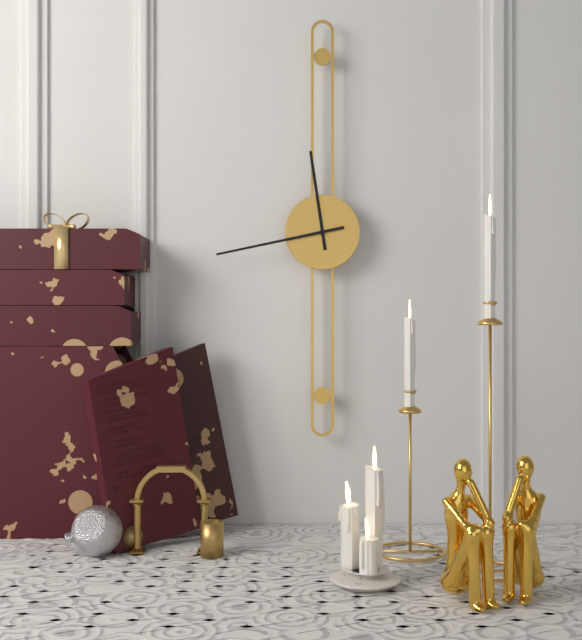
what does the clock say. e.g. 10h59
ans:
11h43
